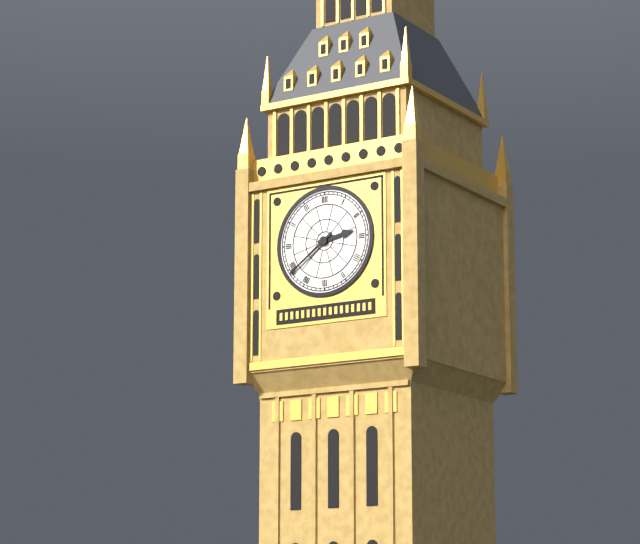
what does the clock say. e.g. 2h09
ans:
2h39
